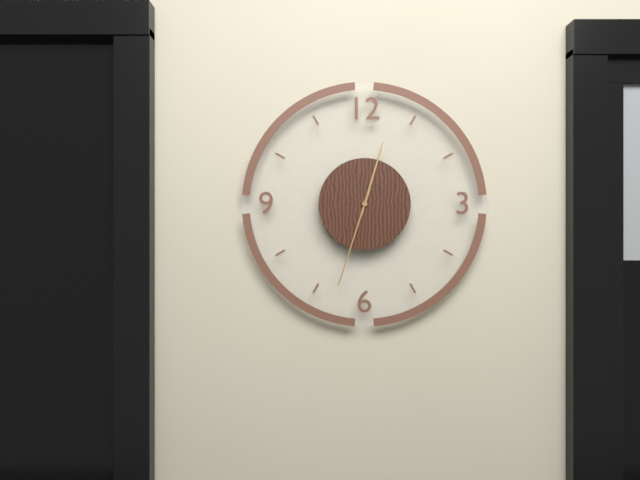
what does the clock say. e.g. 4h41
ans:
12h33
